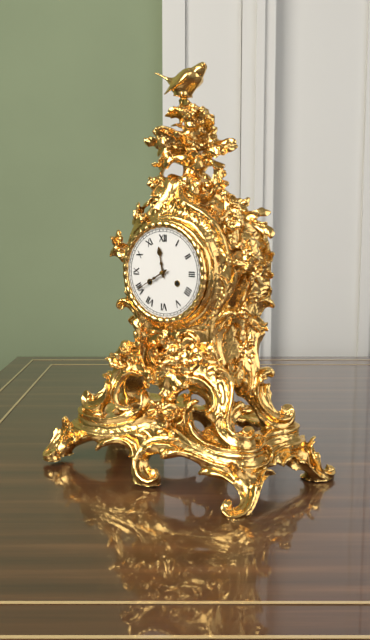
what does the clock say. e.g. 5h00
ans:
11h40
